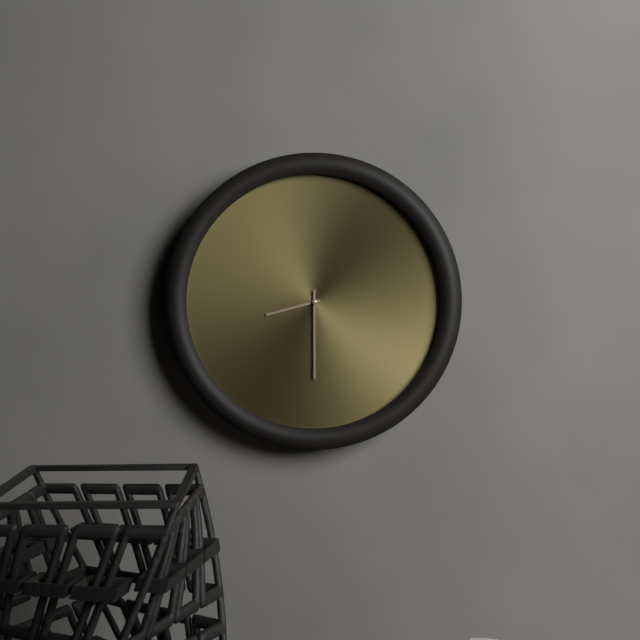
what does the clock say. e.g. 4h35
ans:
8h30
